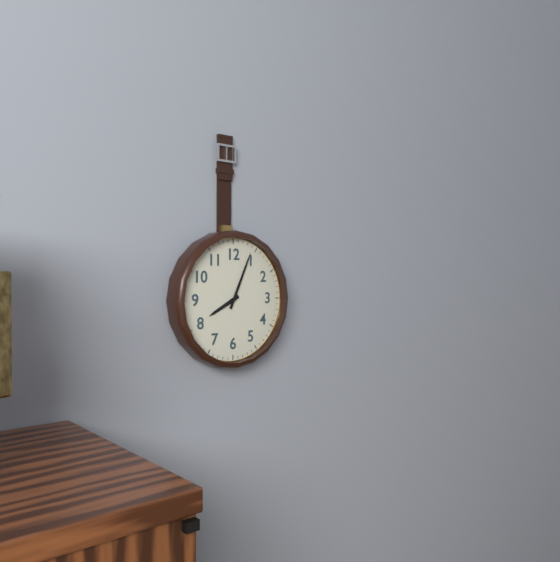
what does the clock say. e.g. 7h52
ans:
8h04
